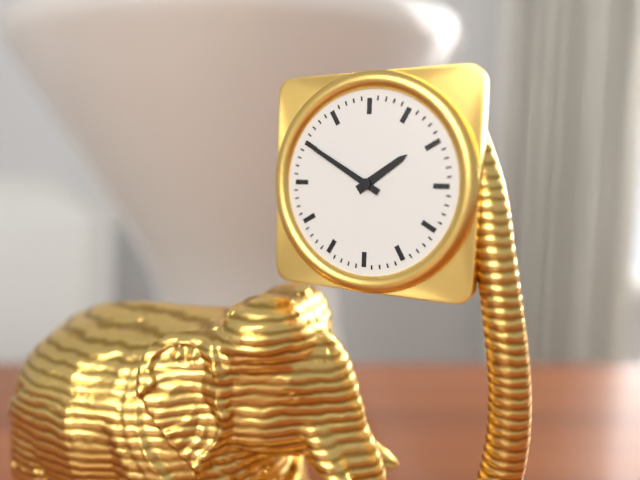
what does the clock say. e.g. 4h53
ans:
1h50
